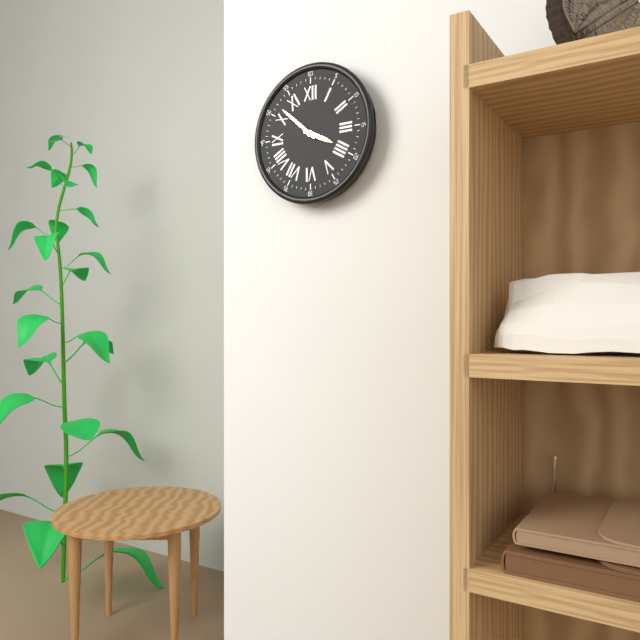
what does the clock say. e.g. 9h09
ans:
3h52
